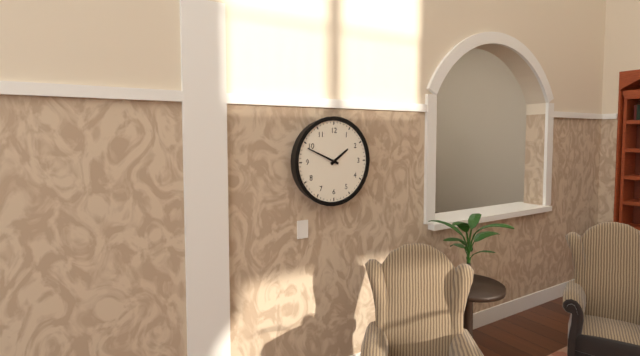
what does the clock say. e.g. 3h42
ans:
1h49
